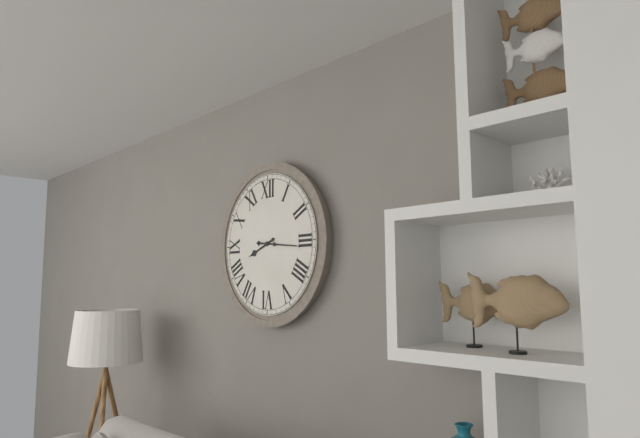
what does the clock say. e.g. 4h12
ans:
8h16
